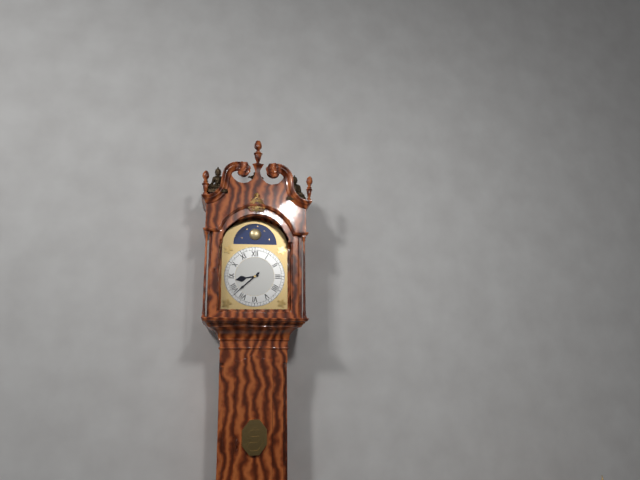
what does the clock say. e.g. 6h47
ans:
8h38
